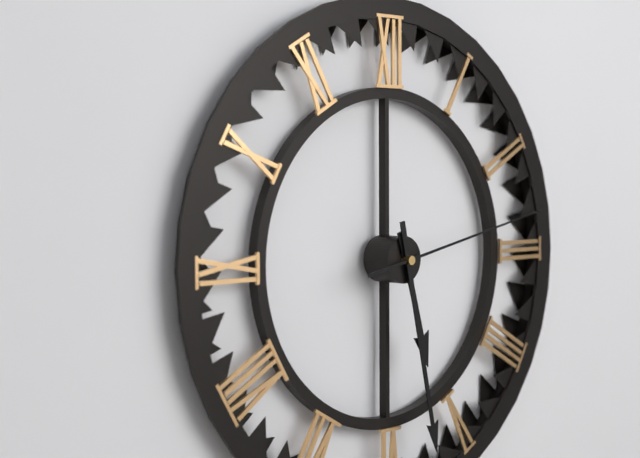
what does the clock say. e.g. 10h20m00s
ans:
5h28m13s
